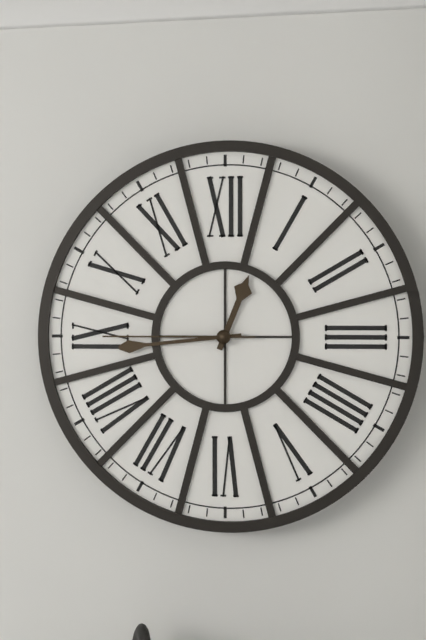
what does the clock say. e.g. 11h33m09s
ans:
12h44m45s
